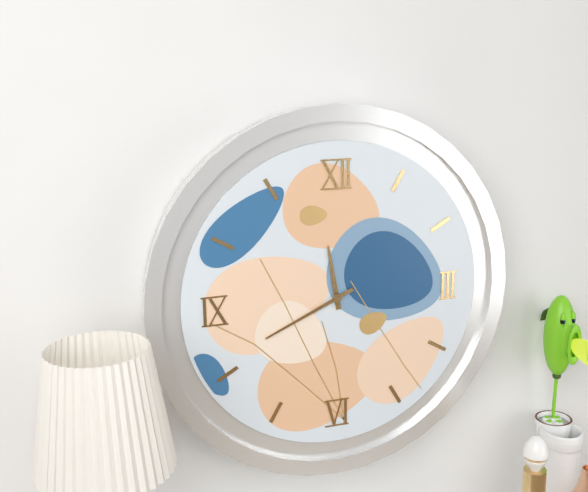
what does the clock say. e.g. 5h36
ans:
11h41
